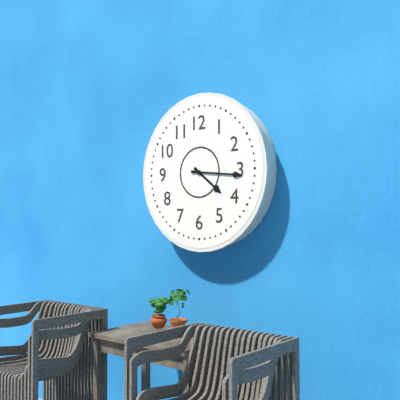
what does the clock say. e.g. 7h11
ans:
4h16
